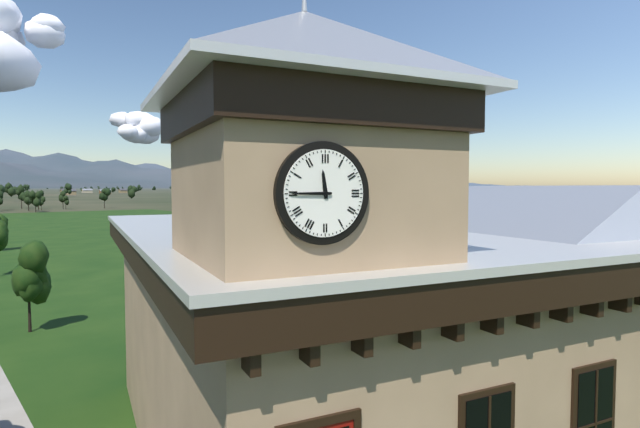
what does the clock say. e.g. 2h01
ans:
11h45
